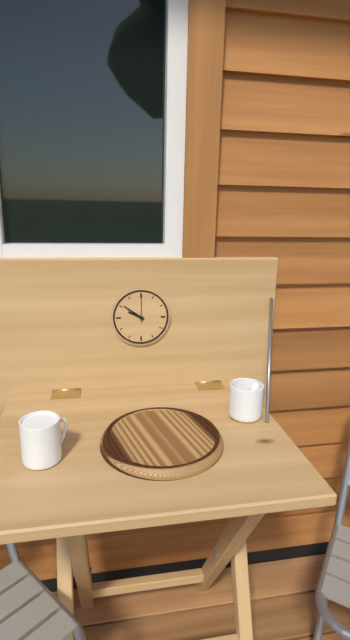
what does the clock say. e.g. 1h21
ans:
9h51
